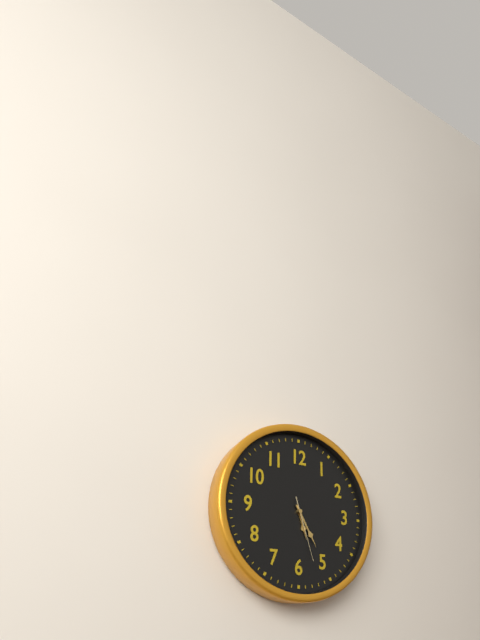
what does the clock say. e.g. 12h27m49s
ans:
5h25m27s
